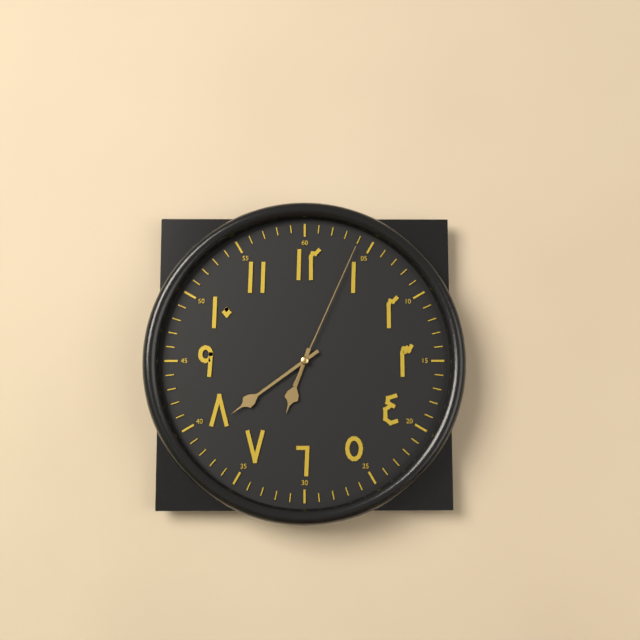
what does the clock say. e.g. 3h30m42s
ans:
6h39m04s
